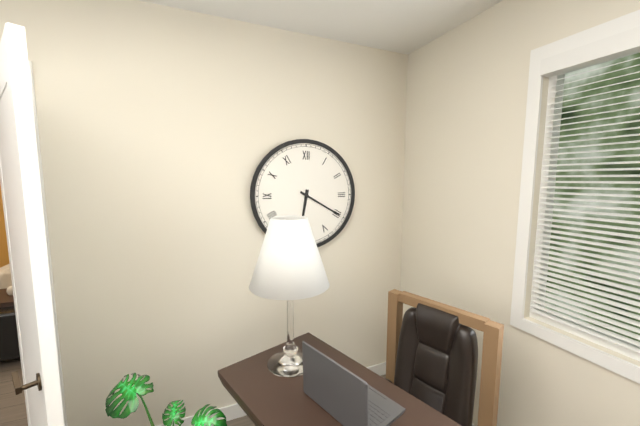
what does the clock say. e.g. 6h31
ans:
6h20
